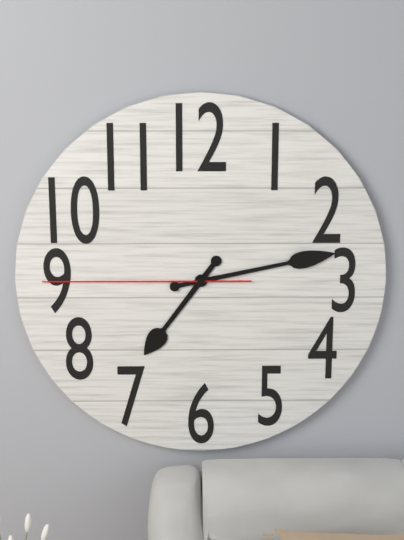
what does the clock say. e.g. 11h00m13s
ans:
7h13m45s
